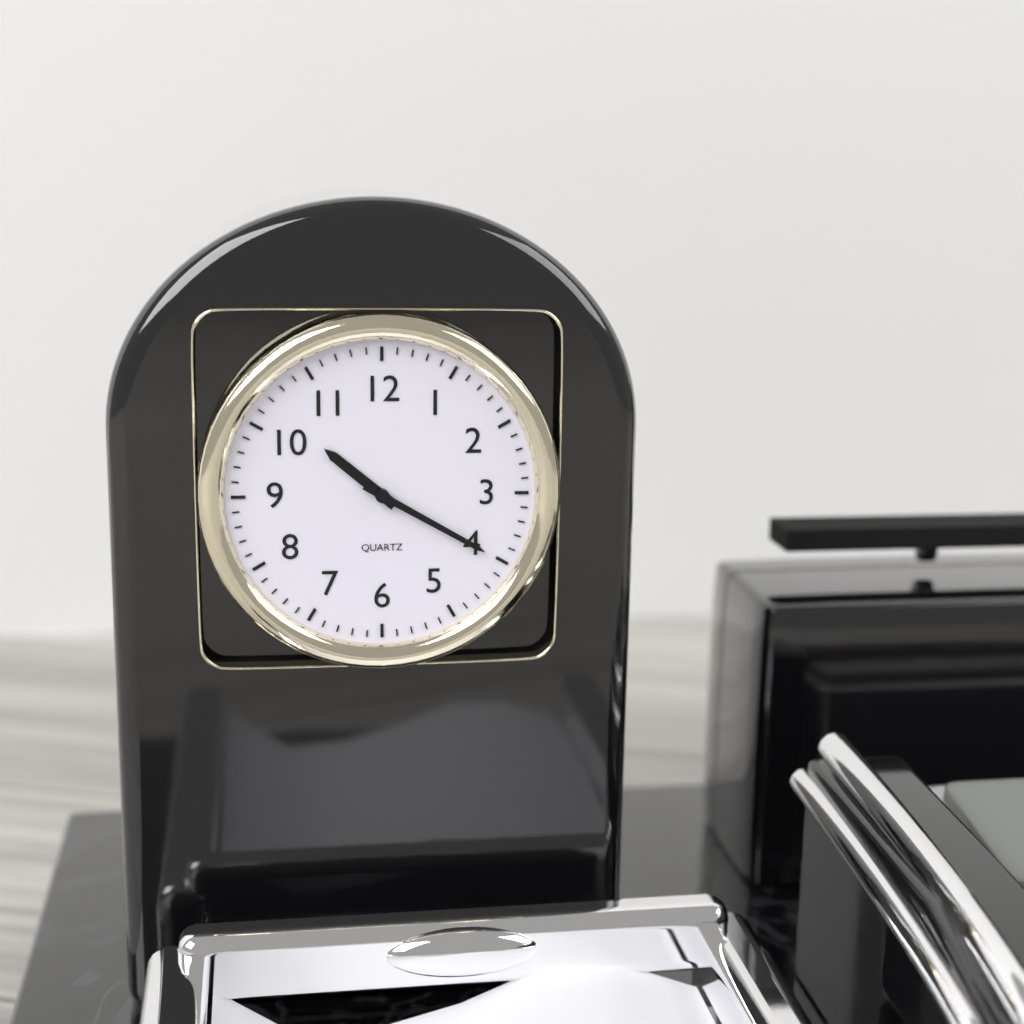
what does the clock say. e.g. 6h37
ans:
10h20
